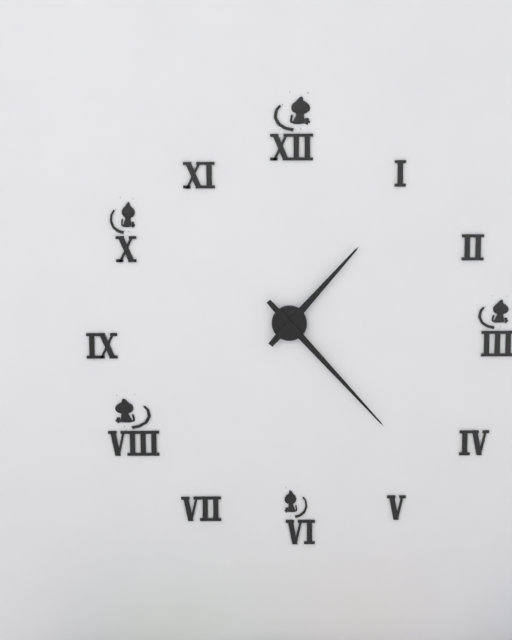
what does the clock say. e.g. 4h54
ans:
1h23
